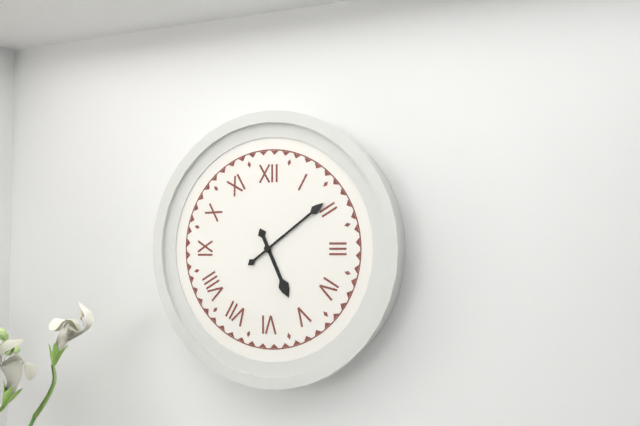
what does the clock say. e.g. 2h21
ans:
5h09
